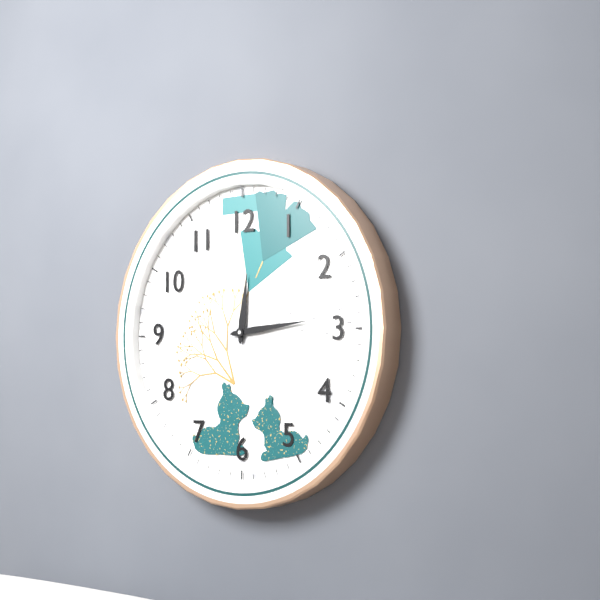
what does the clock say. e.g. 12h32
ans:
12h14
